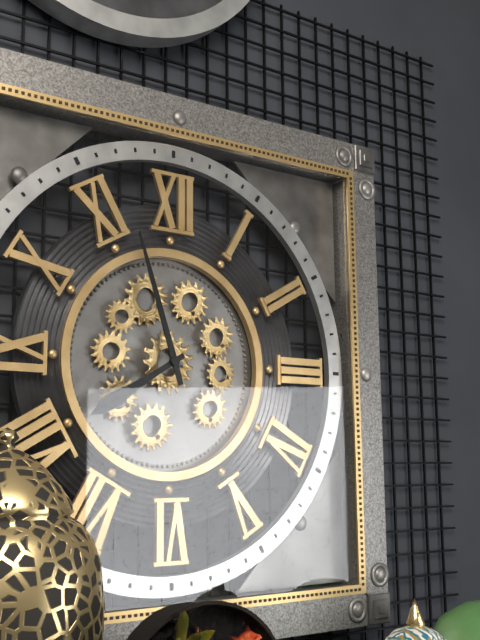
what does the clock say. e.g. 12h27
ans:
7h57
